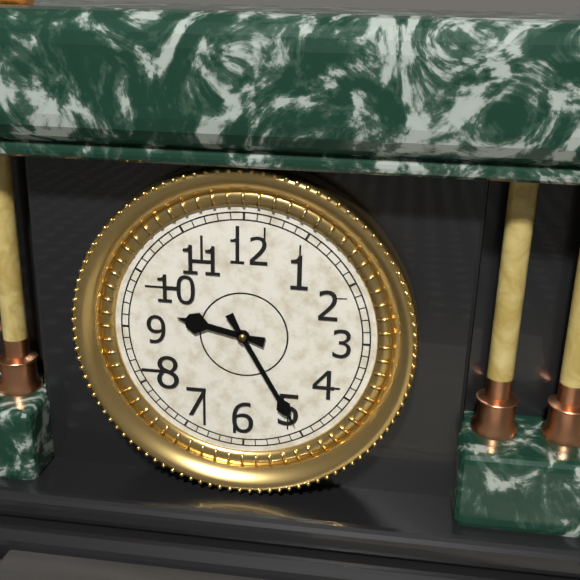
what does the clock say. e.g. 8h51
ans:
9h25
